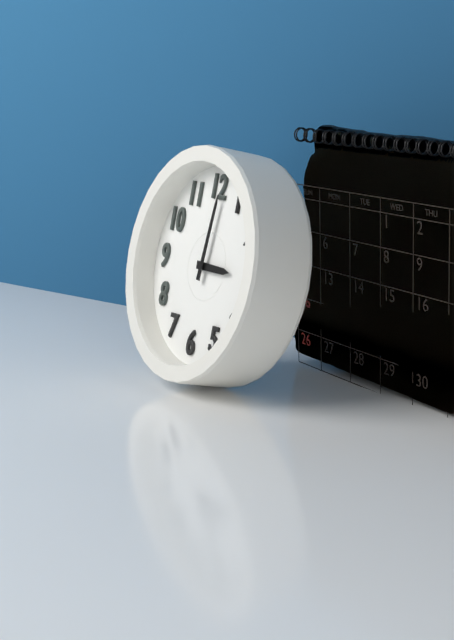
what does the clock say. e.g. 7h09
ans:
3h01
